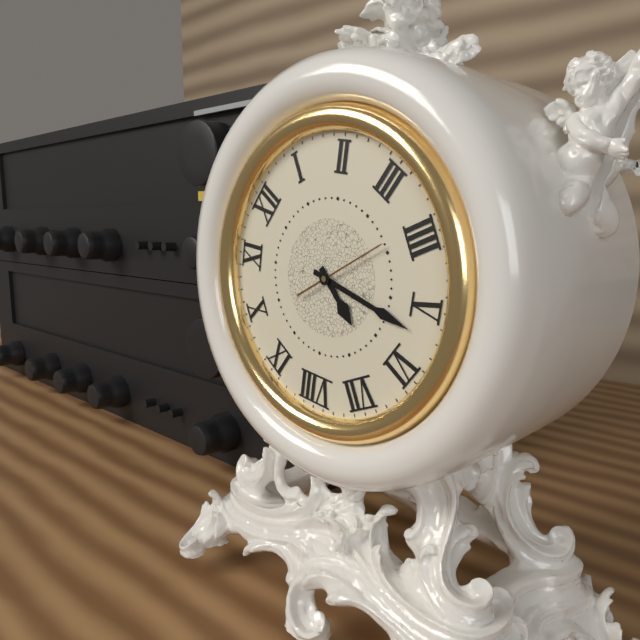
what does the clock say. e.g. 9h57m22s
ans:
6h27m19s
